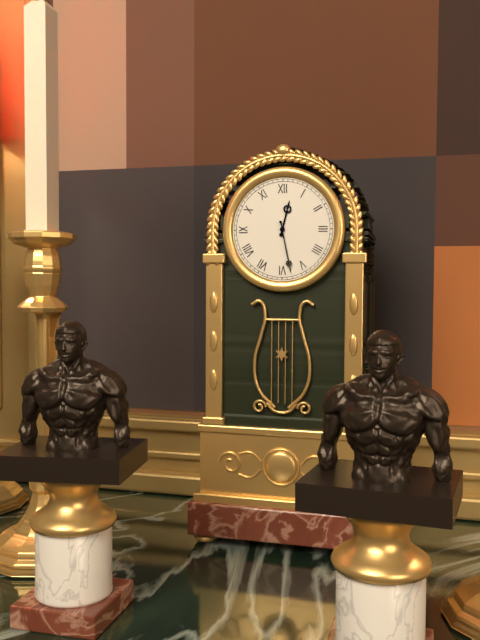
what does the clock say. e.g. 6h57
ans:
12h28
